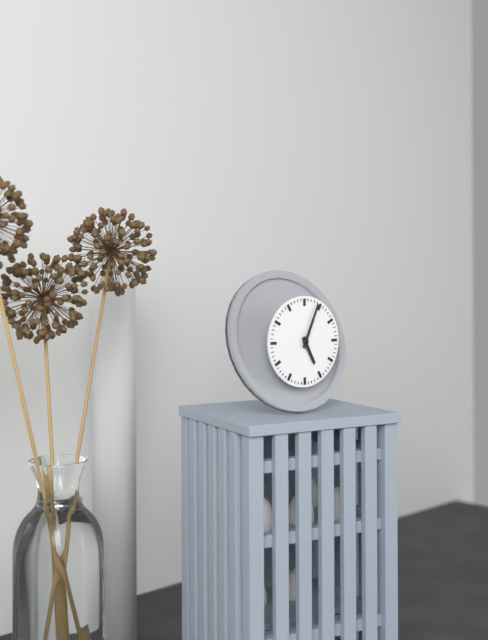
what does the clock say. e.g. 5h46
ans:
5h04
